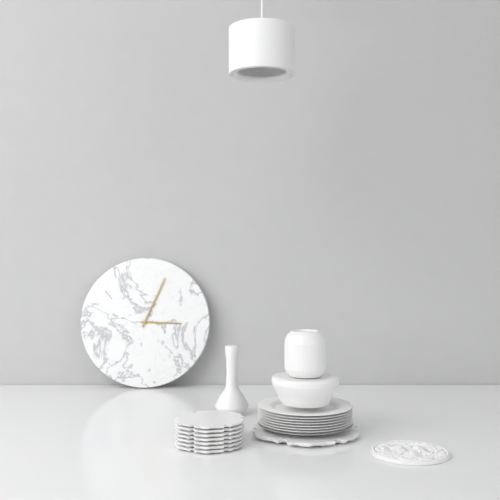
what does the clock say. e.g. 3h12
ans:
3h04
